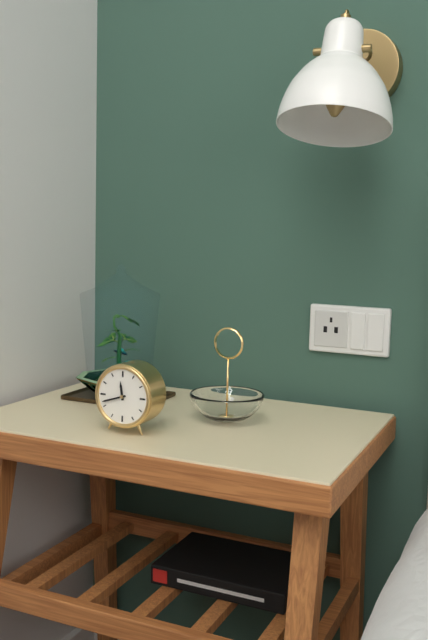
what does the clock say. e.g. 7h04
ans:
11h42
